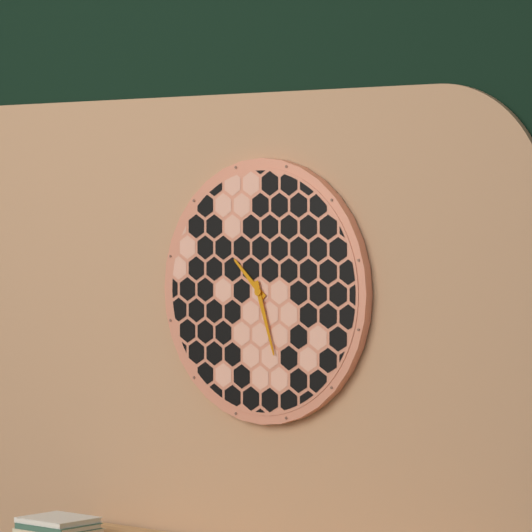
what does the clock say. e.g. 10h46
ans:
10h27
